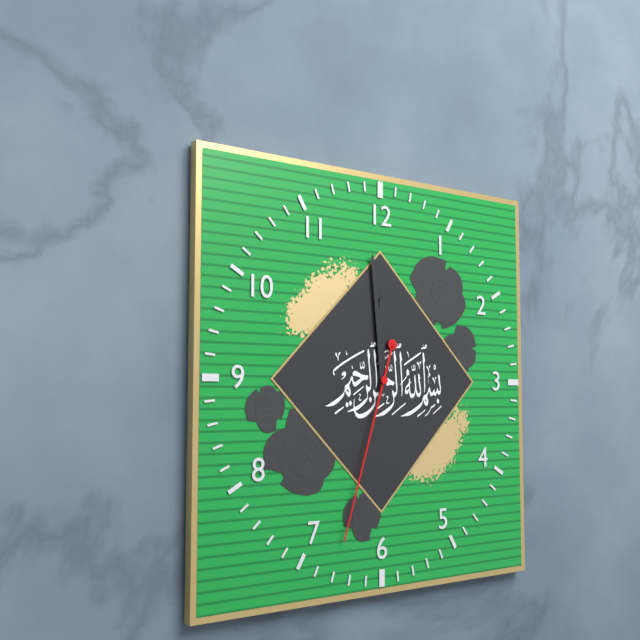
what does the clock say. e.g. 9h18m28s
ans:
11h59m33s
